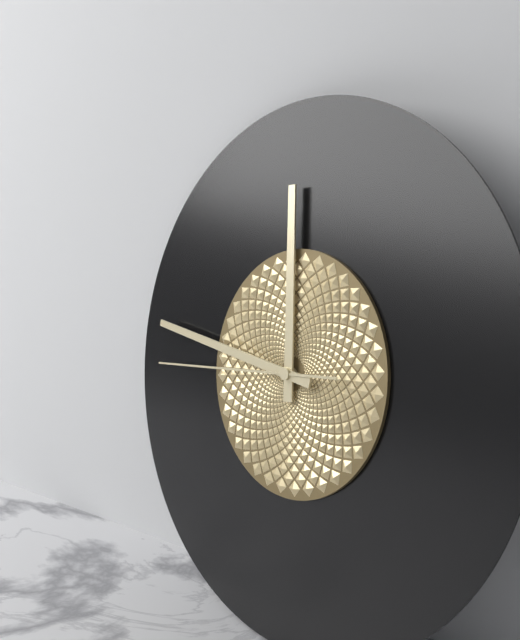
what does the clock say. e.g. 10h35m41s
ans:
11h46m44s
